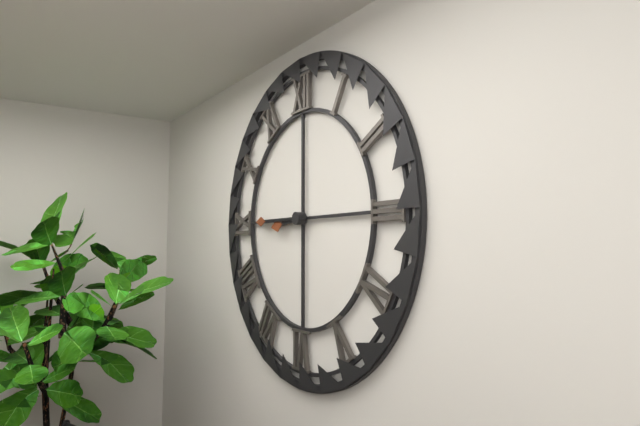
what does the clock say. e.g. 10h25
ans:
8h45
